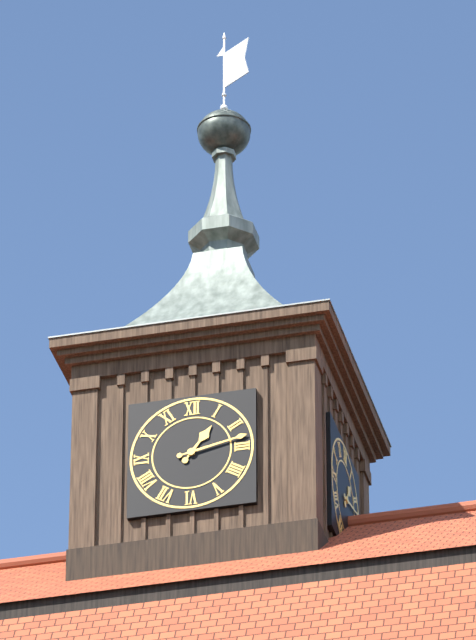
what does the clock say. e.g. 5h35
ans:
1h13
